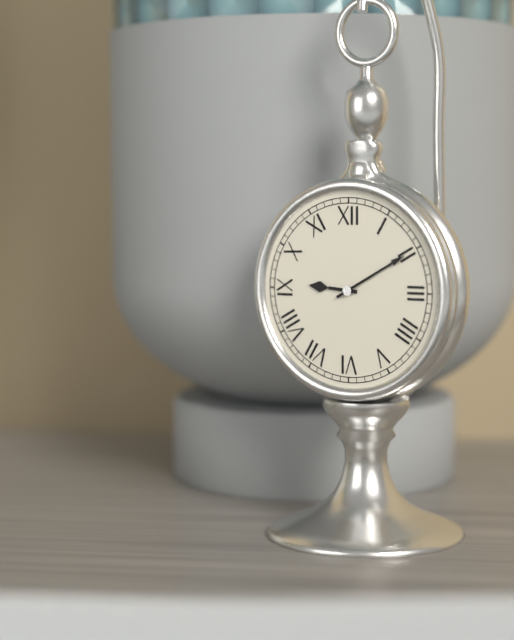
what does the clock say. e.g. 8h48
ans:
9h10
